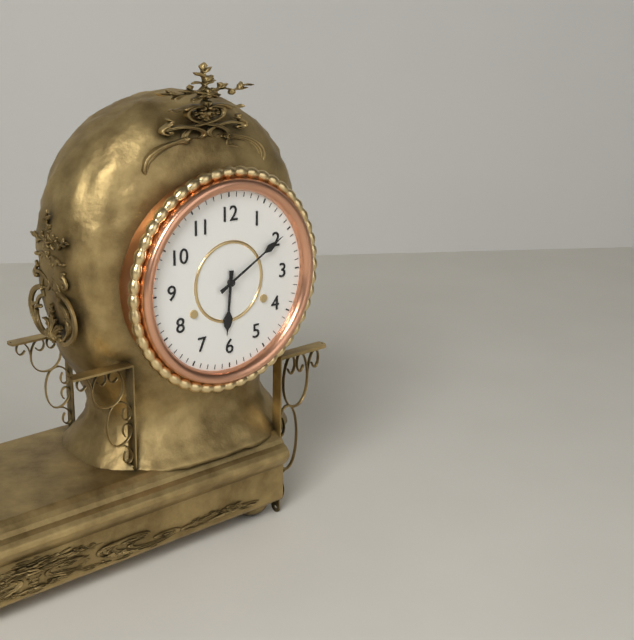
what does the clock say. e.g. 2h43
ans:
6h10
